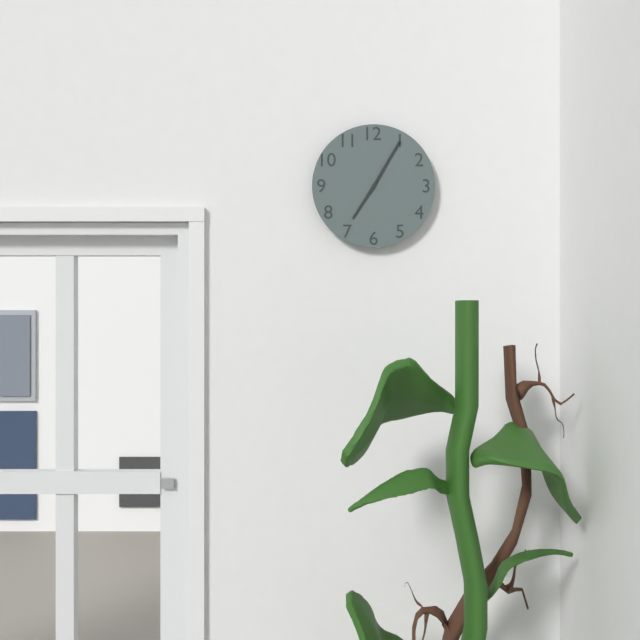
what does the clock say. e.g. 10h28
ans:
7h05
